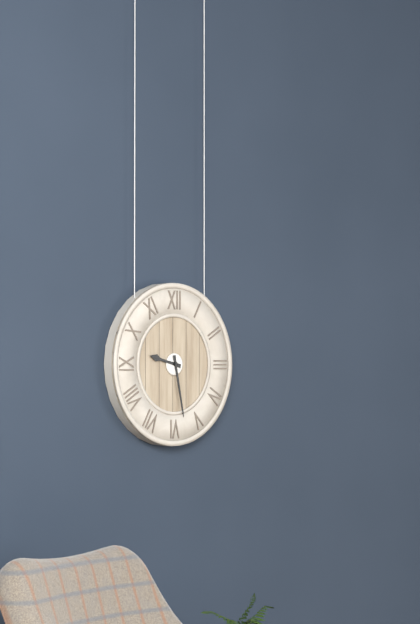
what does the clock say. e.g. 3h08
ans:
9h28
